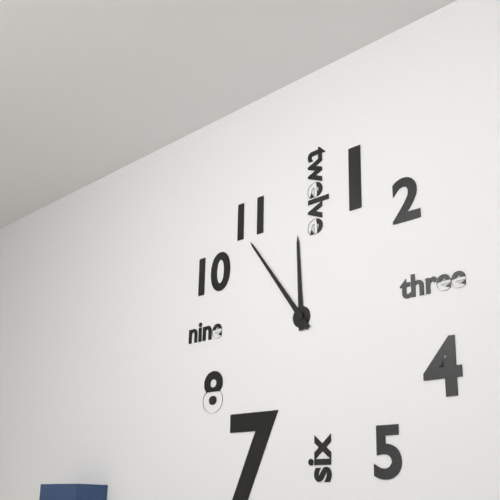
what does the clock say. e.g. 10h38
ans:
11h54
